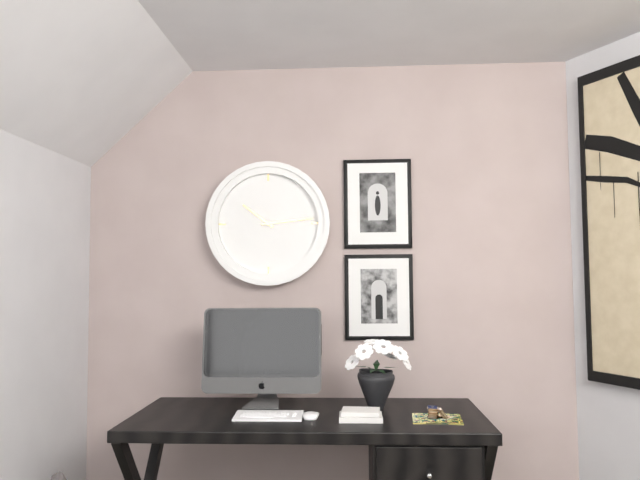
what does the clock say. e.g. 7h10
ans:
10h14
